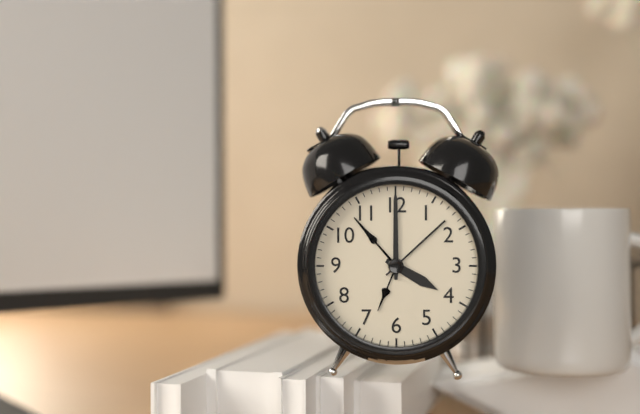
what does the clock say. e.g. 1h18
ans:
4h00
